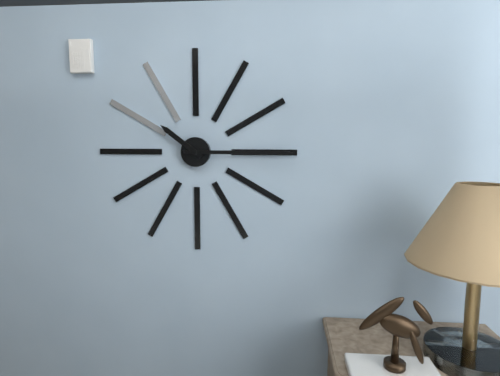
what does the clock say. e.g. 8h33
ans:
10h15
